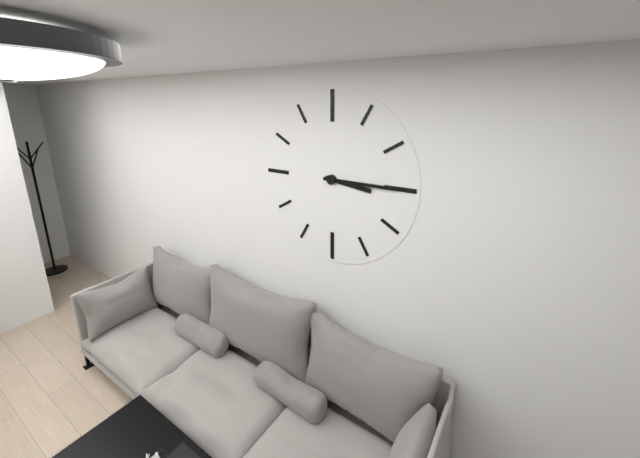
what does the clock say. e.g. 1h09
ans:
3h15
